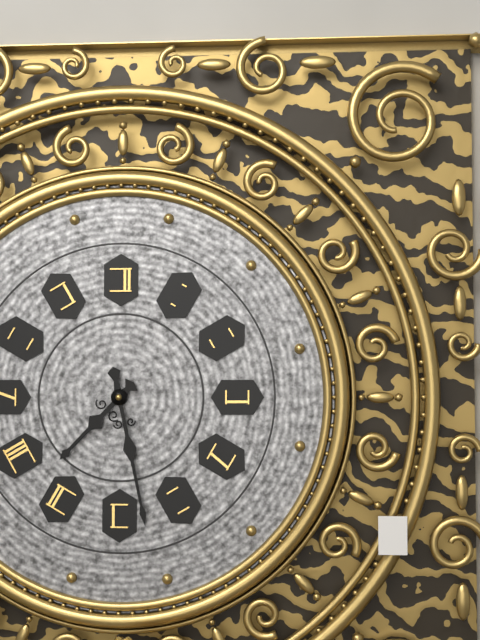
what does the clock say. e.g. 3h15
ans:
7h28
